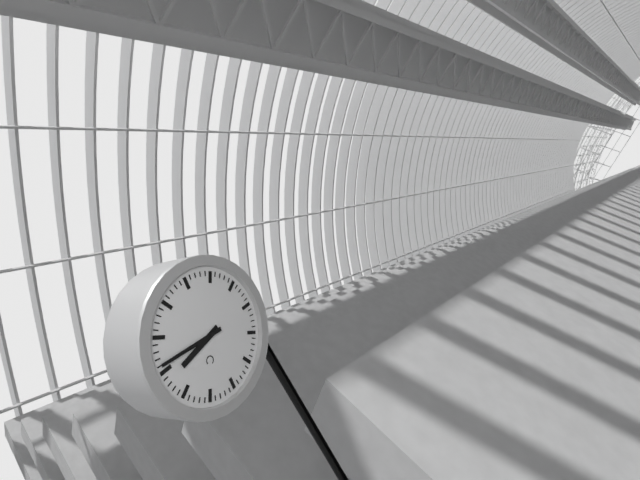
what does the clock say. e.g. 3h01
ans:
7h41
